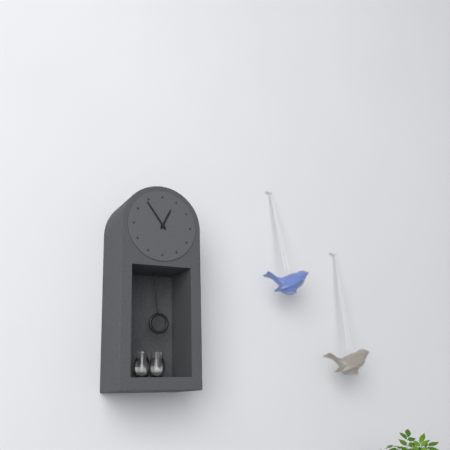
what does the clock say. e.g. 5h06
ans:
12h54
